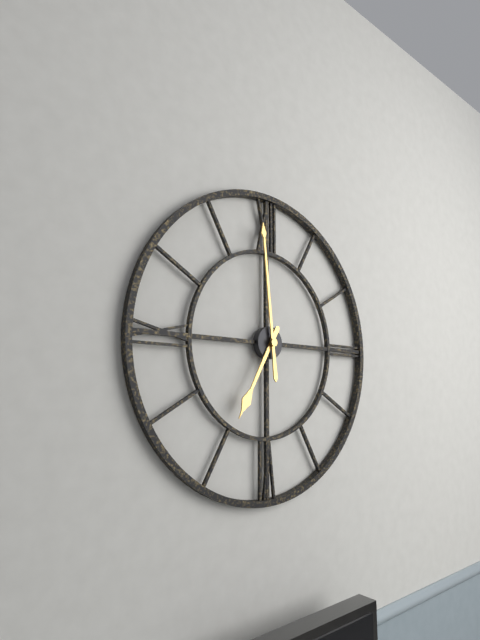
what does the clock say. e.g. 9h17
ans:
6h59
